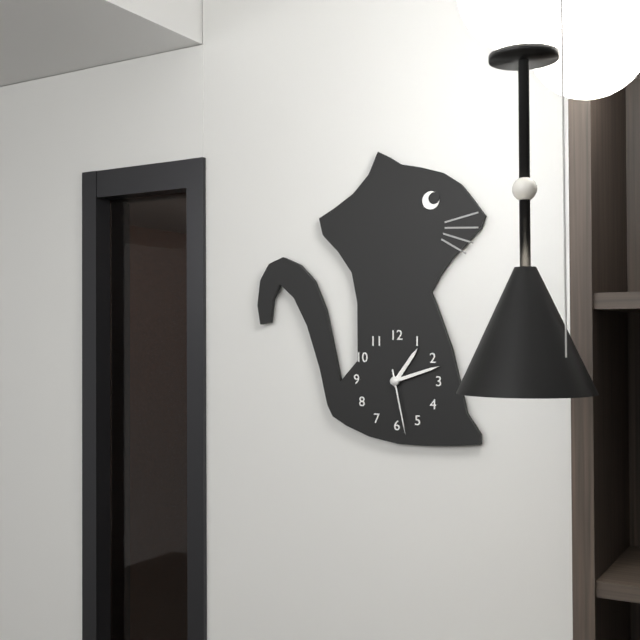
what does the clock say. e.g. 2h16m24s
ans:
1h12m28s
